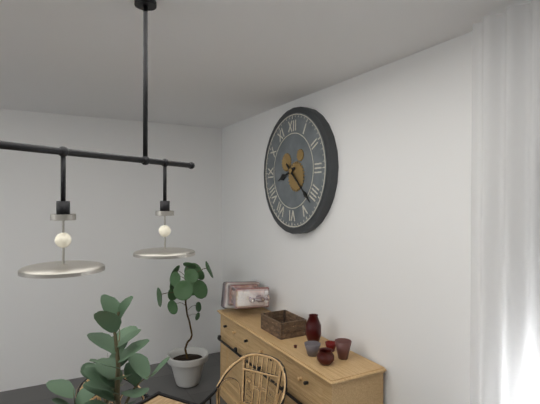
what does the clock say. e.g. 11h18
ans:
8h22
